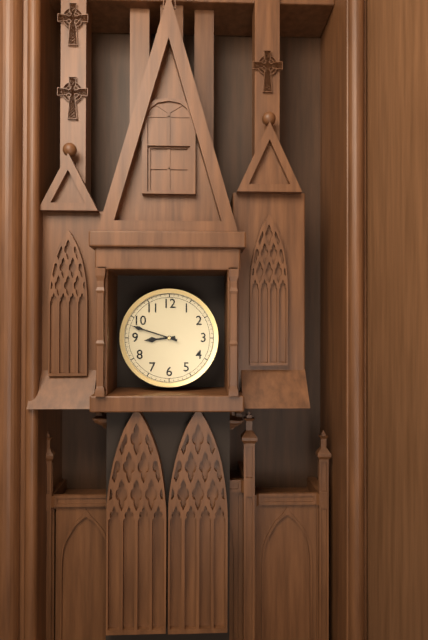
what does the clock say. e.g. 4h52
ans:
8h48
